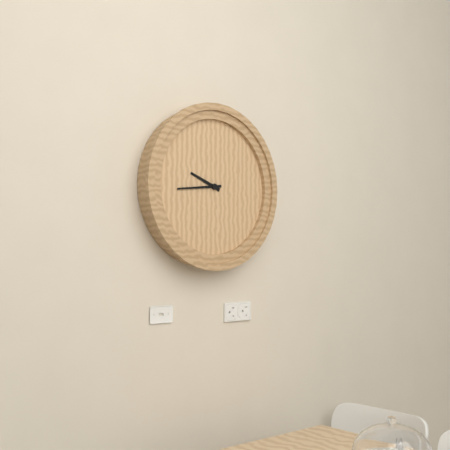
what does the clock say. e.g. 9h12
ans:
9h44
